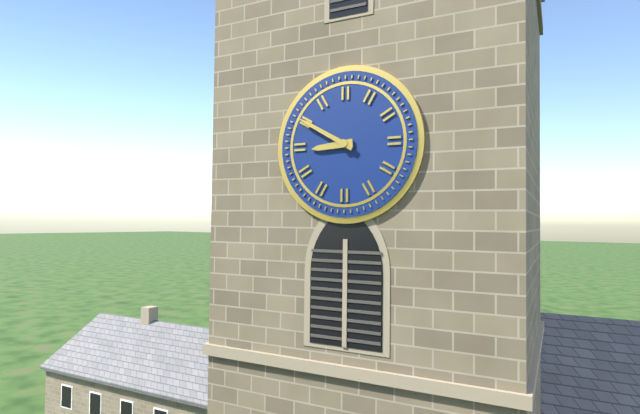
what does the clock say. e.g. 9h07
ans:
8h50
